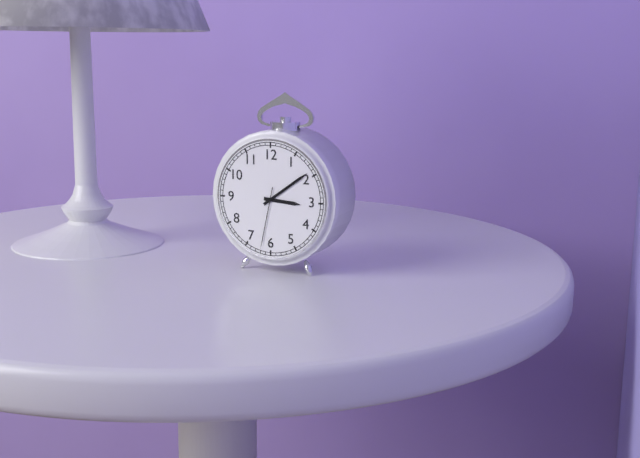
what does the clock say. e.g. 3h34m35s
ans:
3h09m32s
